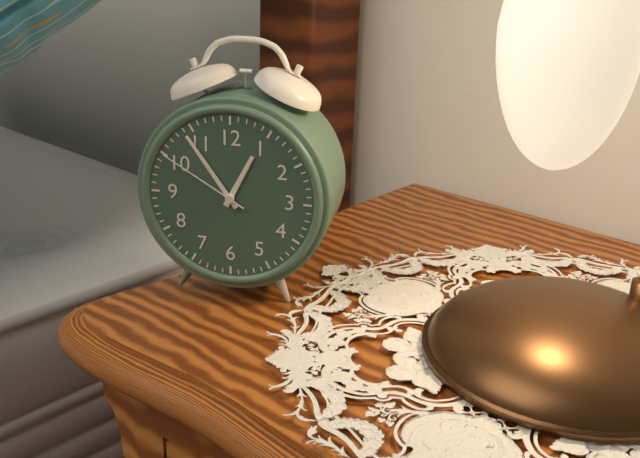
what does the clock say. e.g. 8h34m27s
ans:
12h54m50s
